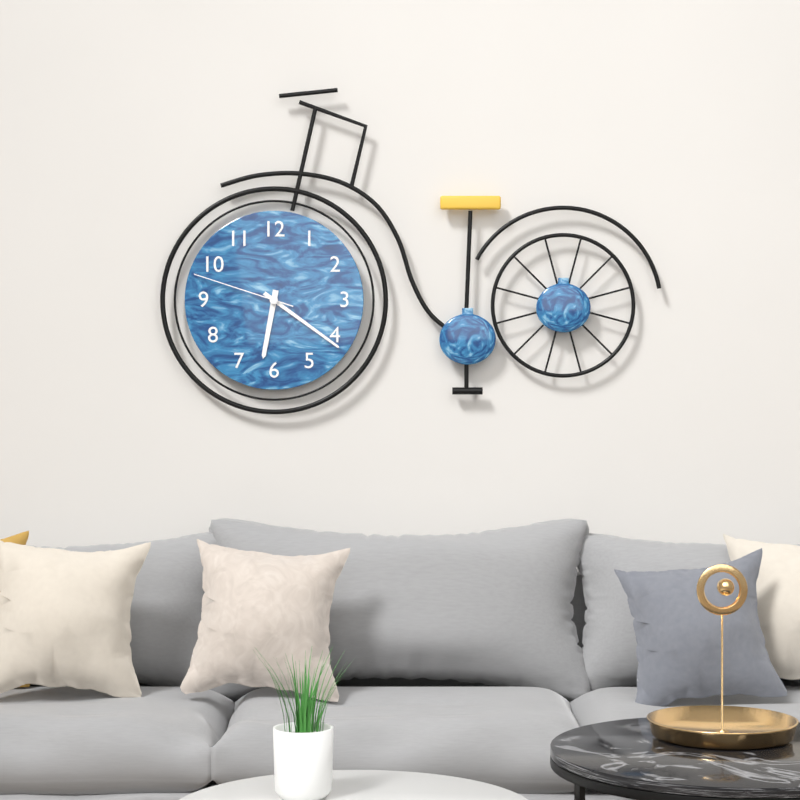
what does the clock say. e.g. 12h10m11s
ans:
6h21m48s
